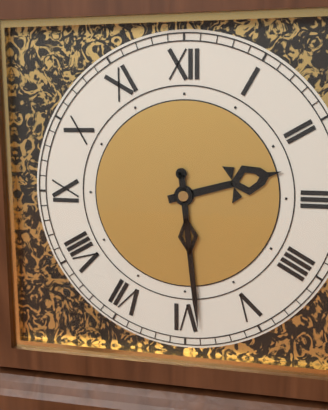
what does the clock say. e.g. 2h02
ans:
2h29
